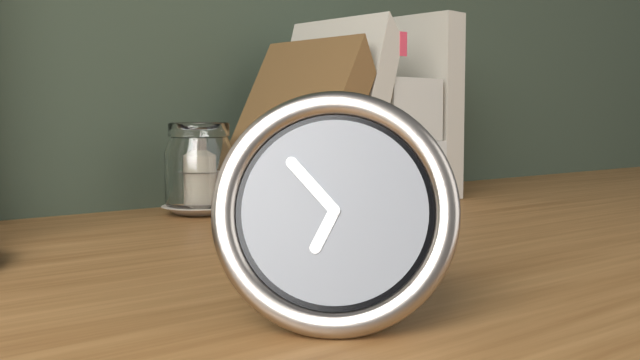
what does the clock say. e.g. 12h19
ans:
6h53
